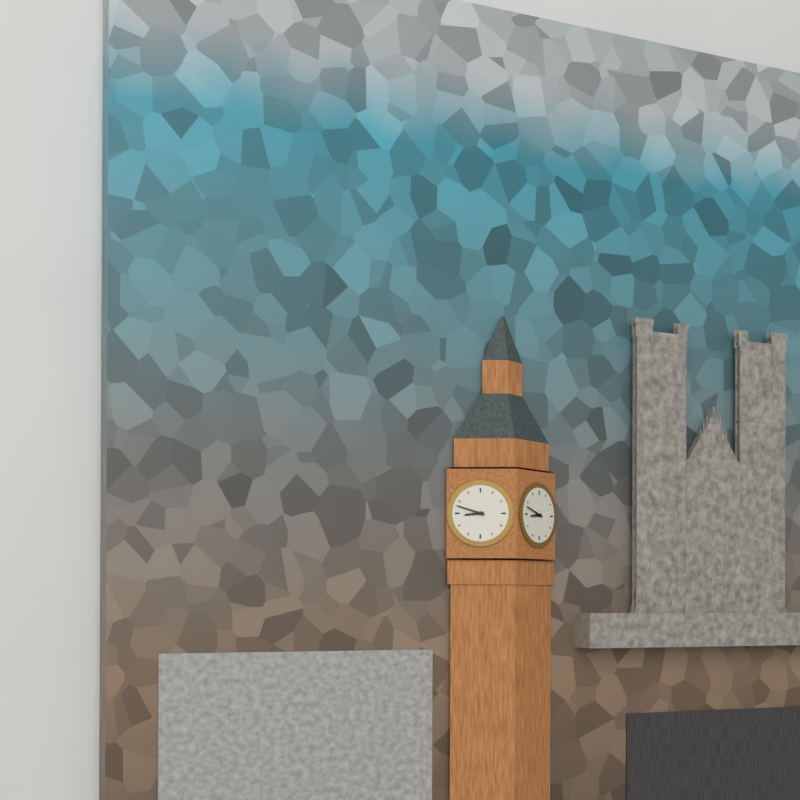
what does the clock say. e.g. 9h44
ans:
8h48
